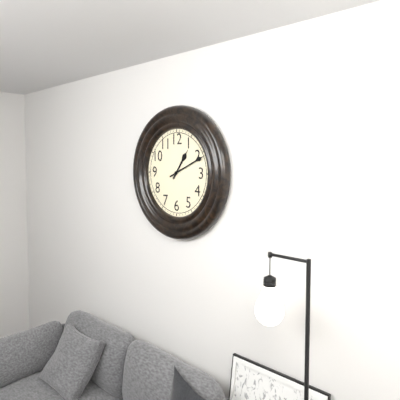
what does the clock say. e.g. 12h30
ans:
1h11
